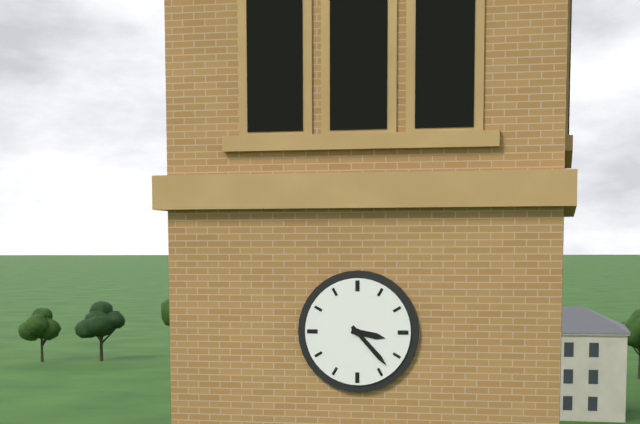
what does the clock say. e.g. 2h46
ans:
3h23
